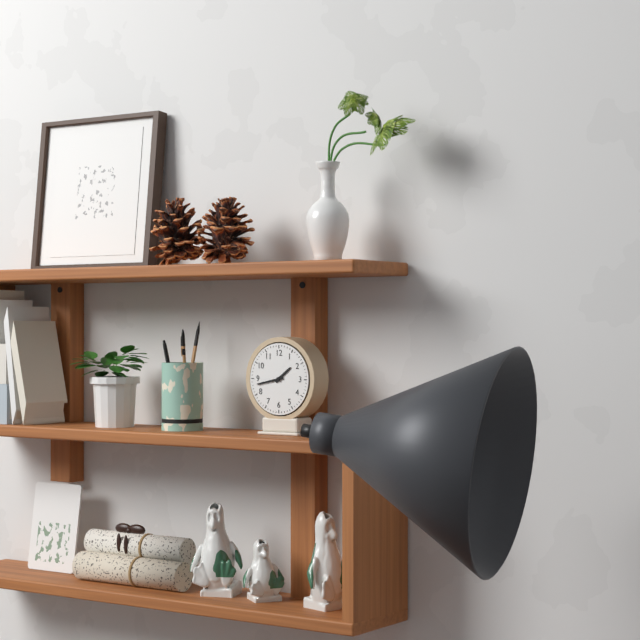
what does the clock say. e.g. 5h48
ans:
1h43
